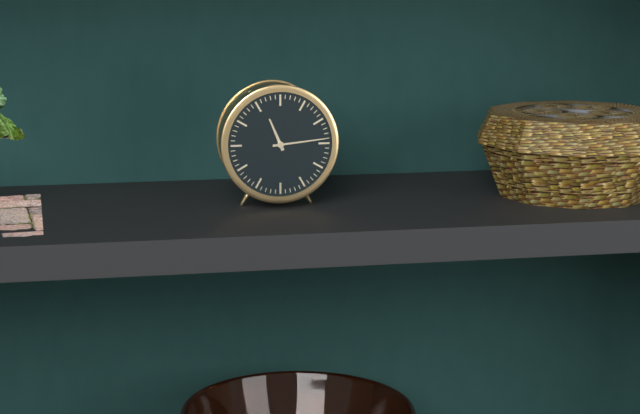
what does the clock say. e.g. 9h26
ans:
11h14
